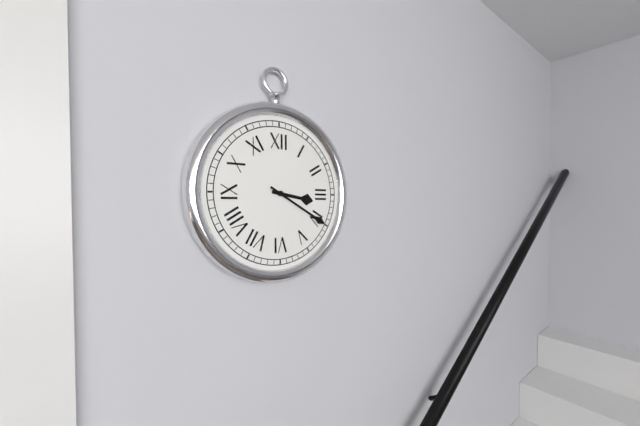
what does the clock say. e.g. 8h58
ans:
3h20
